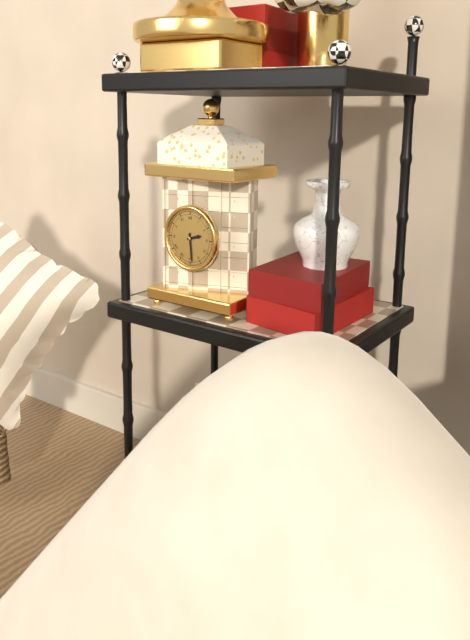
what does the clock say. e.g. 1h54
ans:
2h29
